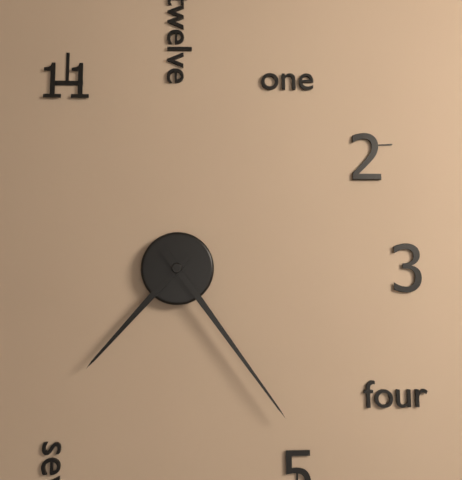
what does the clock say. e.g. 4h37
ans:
7h24
